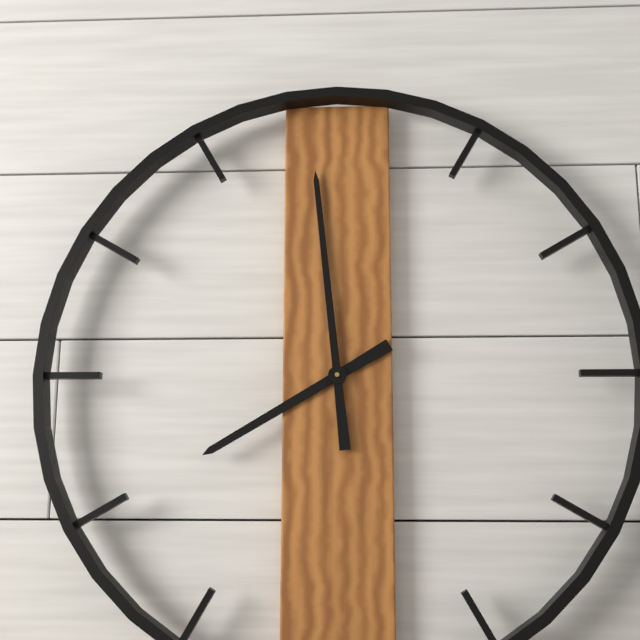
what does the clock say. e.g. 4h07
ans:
7h59
